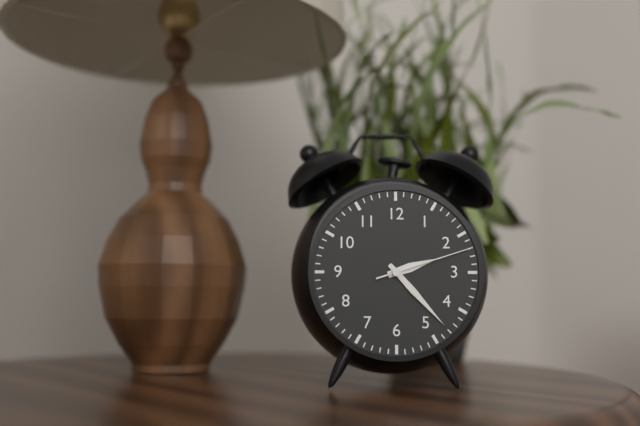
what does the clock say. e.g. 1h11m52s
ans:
2h23m12s
